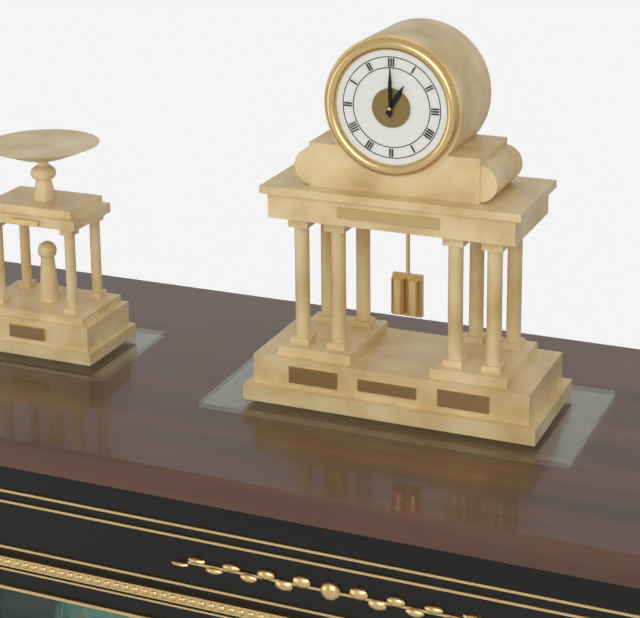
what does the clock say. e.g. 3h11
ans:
1h00
